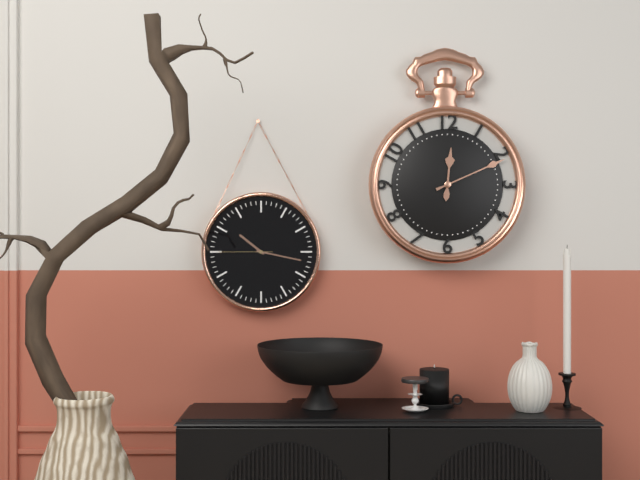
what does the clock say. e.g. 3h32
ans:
12h11
